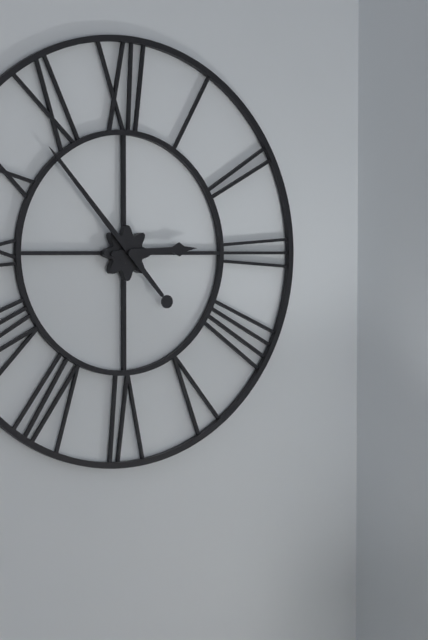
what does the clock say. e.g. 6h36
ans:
2h53
